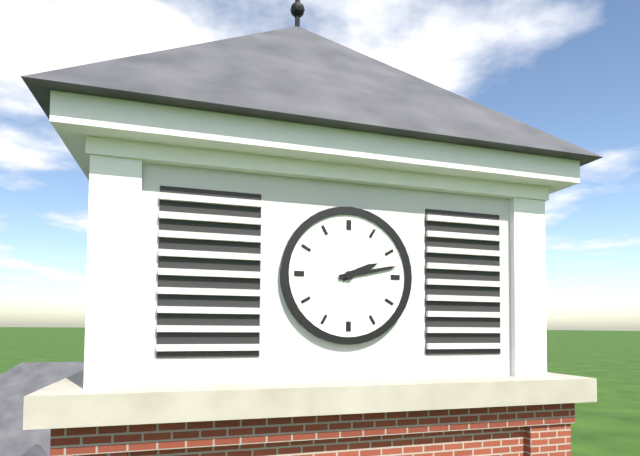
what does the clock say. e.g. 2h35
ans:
2h13
